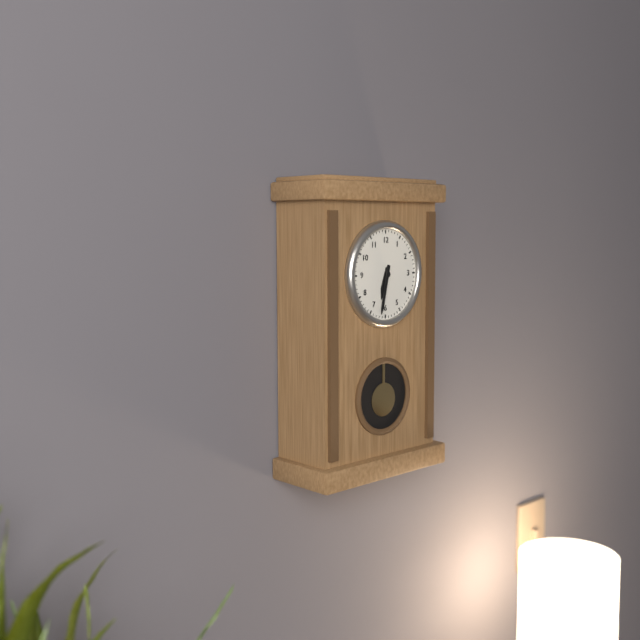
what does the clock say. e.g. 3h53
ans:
6h32
